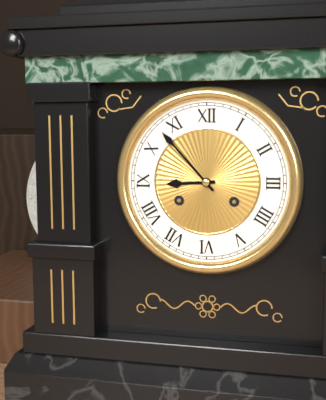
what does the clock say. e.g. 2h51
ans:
8h53
